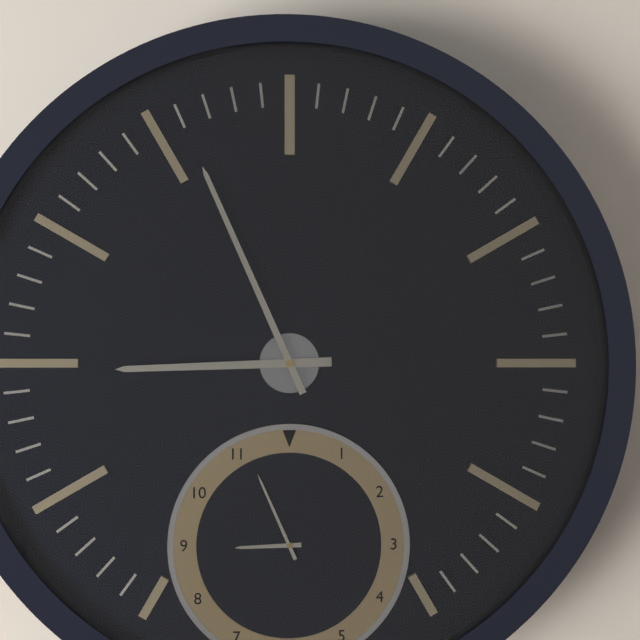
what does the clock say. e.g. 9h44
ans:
8h56
